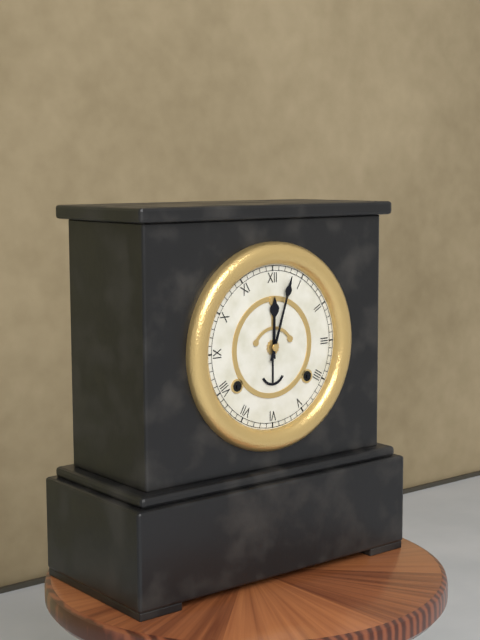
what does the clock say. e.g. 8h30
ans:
12h03
